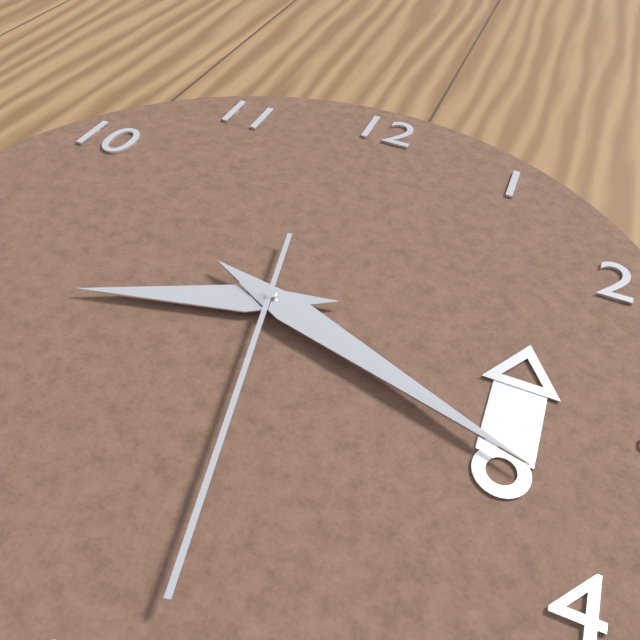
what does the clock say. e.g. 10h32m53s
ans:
8h18m28s
